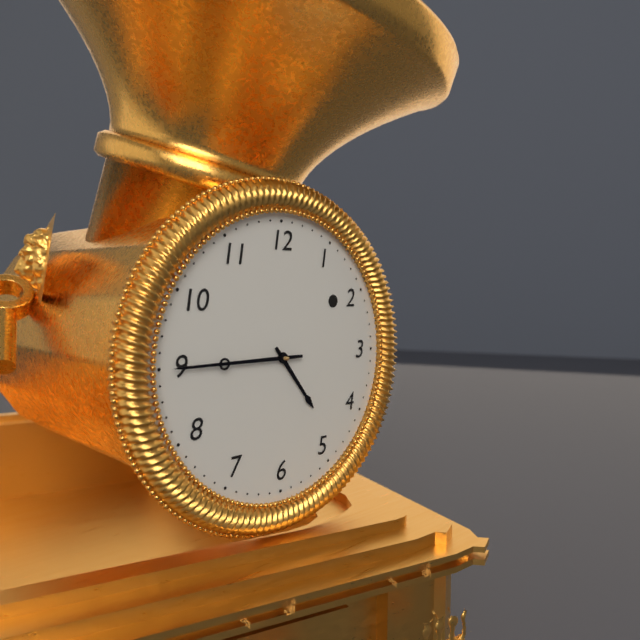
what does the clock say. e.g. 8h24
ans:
4h45
